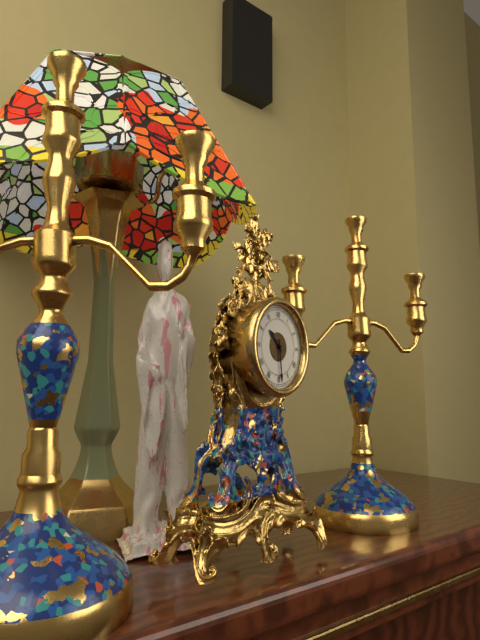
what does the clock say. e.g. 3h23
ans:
10h29
